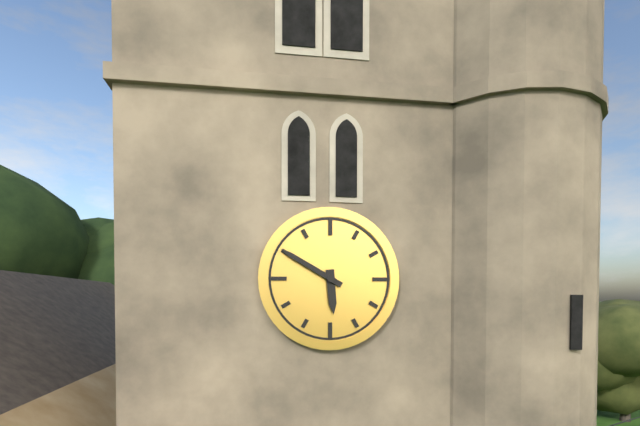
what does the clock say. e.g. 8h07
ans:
5h50
